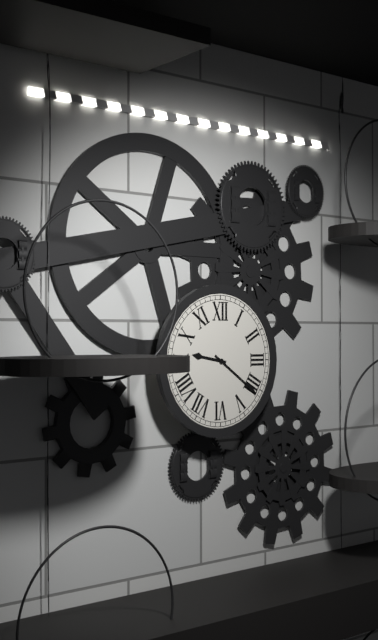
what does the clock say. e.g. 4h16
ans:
9h21
